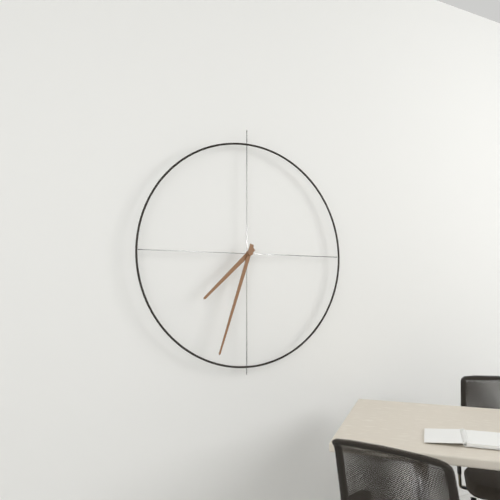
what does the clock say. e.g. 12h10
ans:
7h33
